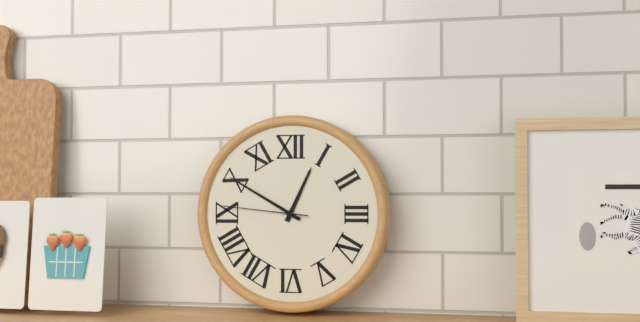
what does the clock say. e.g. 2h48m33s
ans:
12h50m46s
